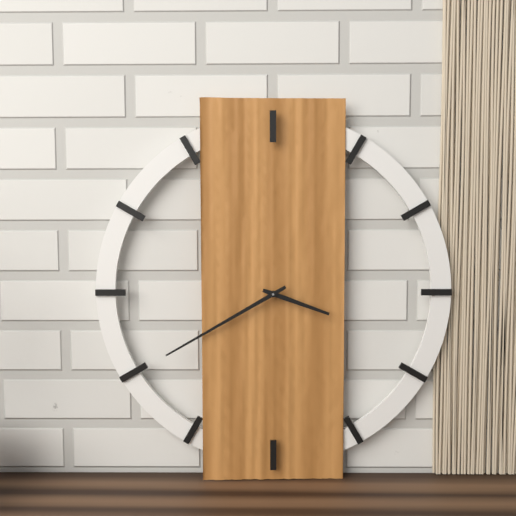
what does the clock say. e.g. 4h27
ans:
3h40
